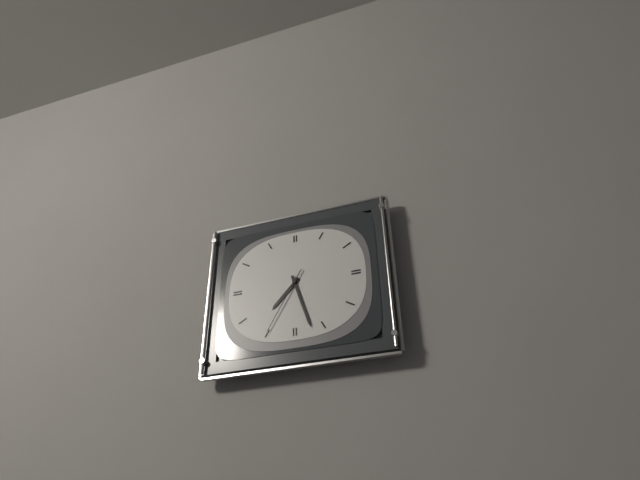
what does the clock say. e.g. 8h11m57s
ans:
7h27m35s
